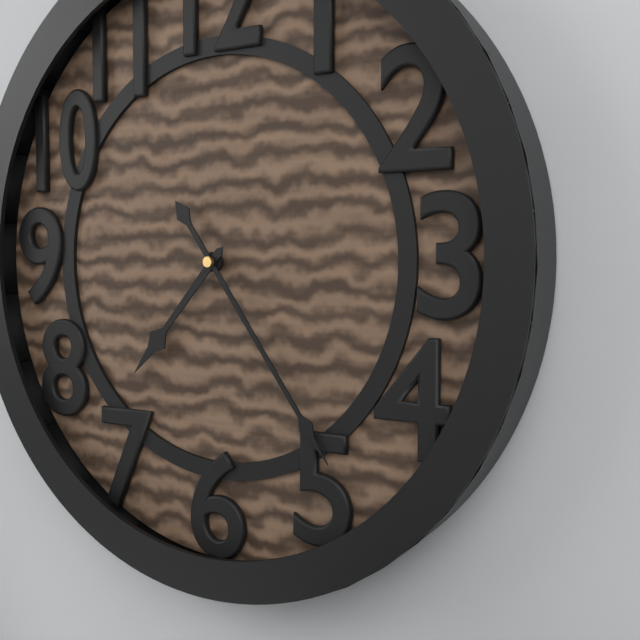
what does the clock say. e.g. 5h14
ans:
7h24
